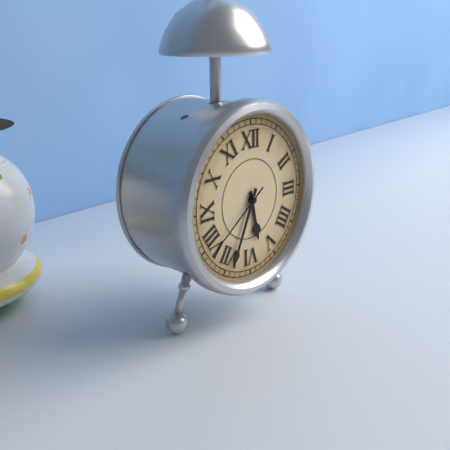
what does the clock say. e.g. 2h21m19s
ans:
5h34m39s
